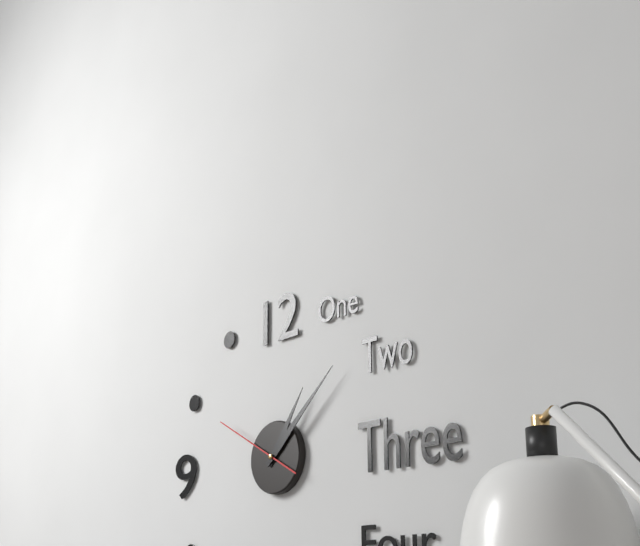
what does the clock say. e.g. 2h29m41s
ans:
1h08m50s
